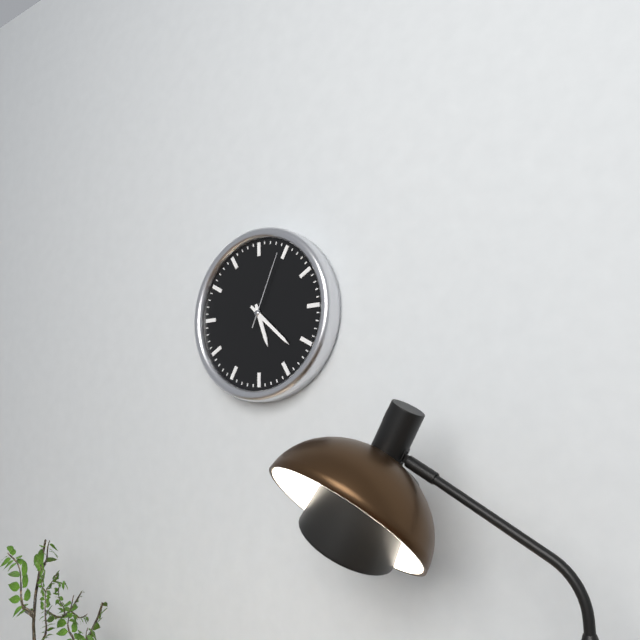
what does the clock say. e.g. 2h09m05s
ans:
5h22m04s
